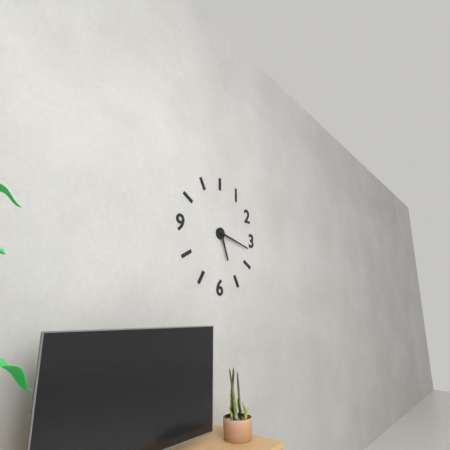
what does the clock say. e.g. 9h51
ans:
5h17
